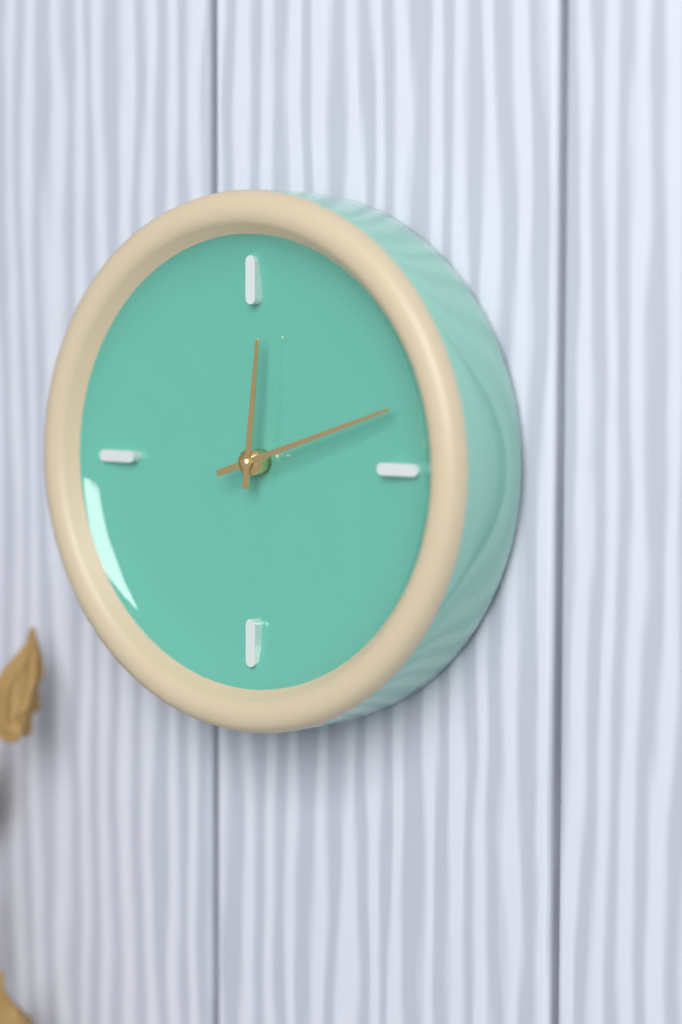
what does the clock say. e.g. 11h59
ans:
12h12
